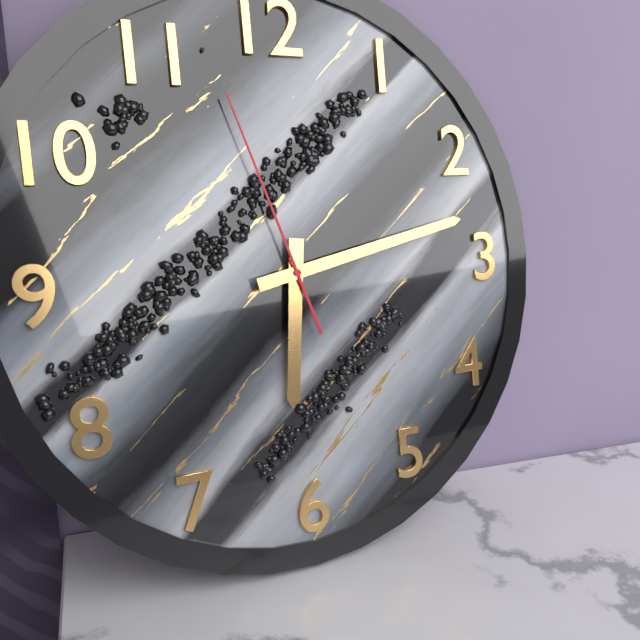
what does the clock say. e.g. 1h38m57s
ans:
6h13m57s
